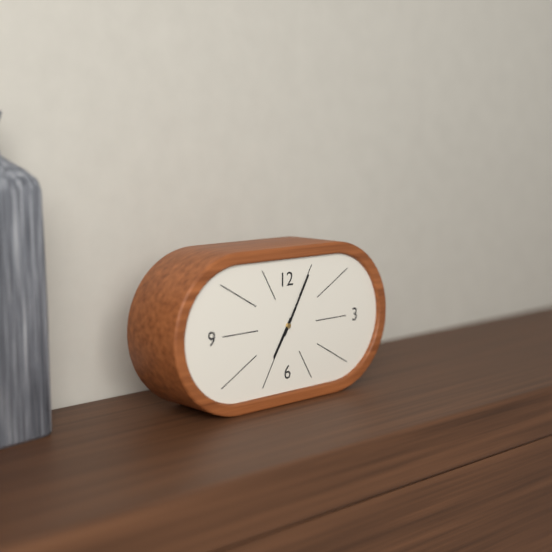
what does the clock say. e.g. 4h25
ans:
7h05
